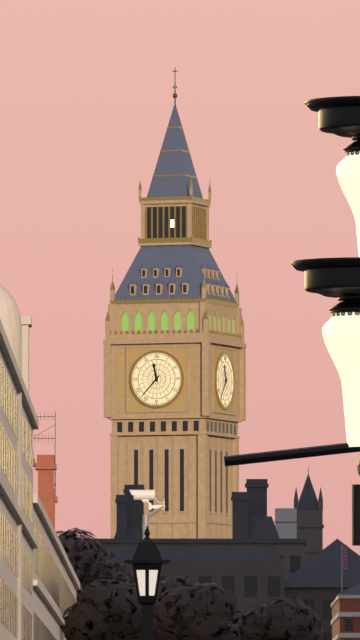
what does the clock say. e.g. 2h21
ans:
11h37
